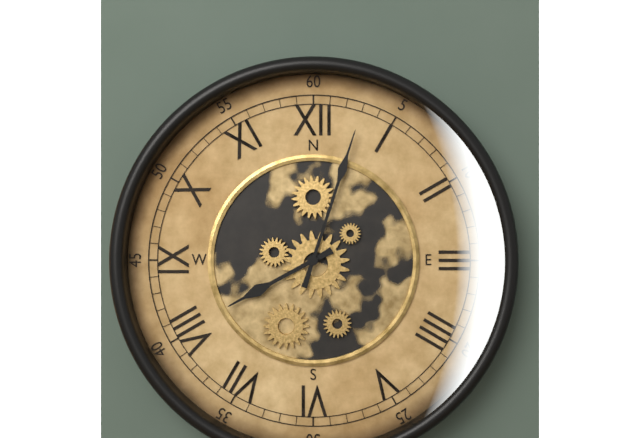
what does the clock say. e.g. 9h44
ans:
8h03
